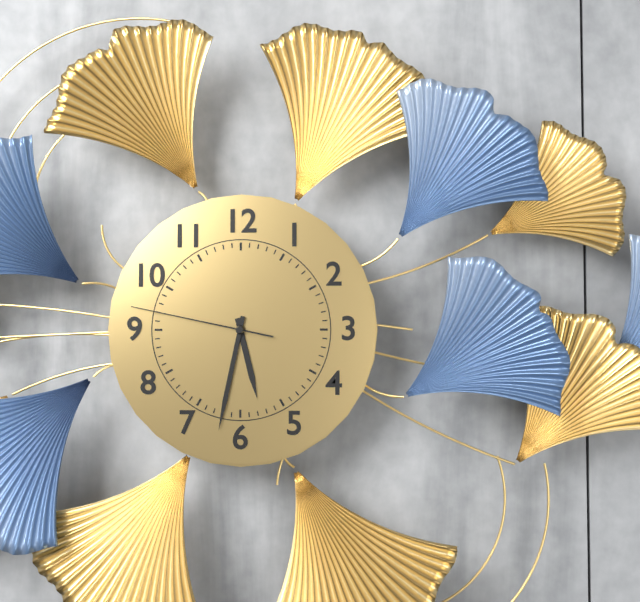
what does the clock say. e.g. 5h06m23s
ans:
5h32m47s
